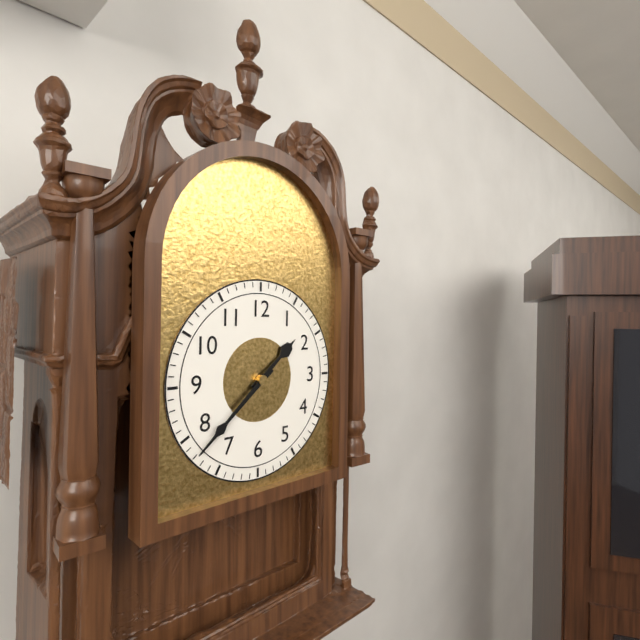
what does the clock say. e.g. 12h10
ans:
1h38
